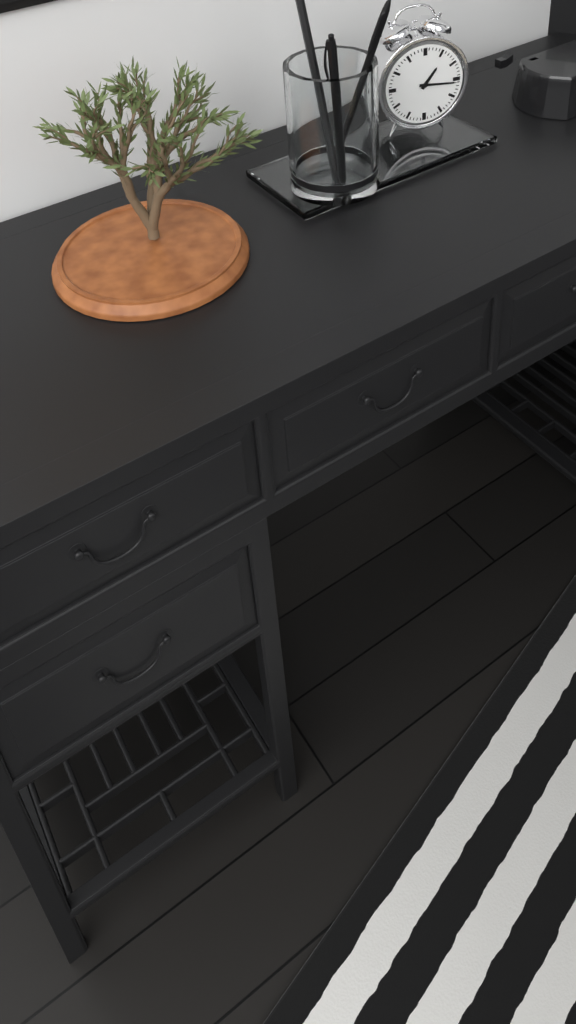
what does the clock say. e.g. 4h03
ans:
1h16
